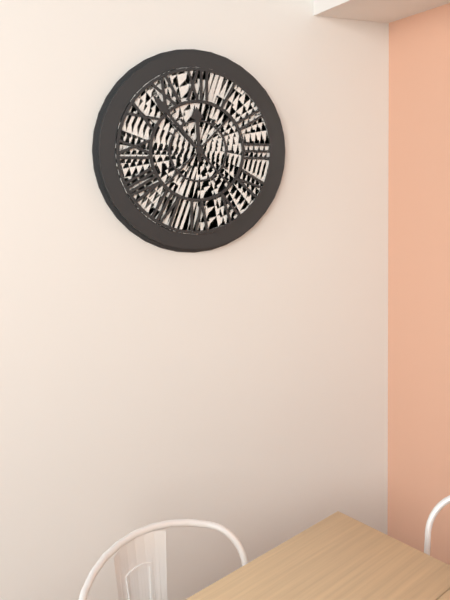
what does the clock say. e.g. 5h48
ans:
11h53
